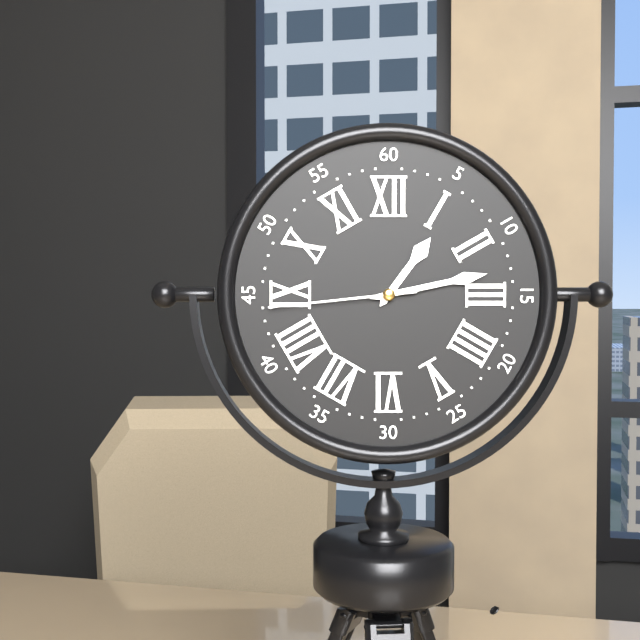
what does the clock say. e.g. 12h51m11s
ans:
1h13m44s
